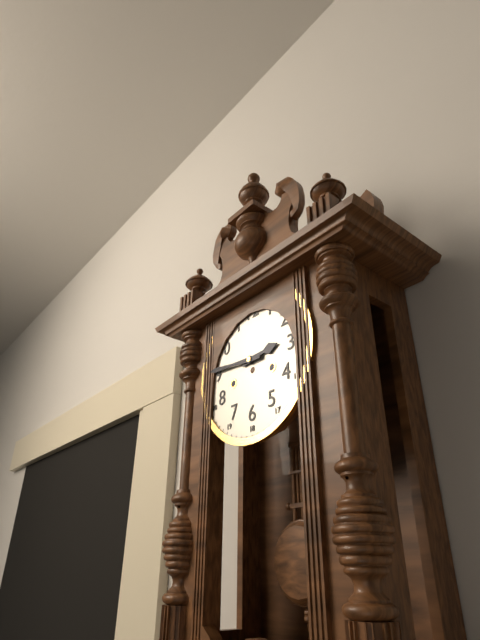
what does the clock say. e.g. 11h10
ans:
2h46
